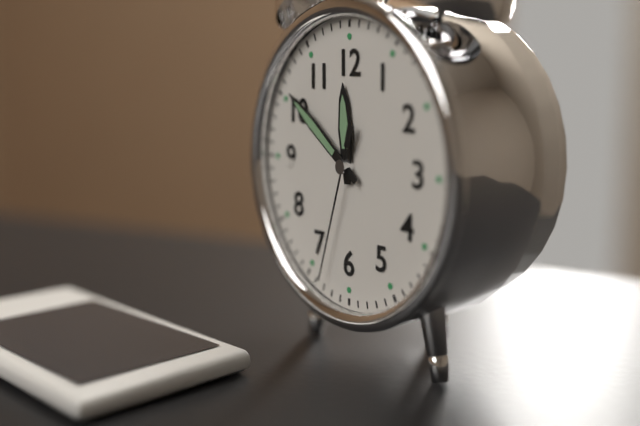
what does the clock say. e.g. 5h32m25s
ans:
11h51m33s
